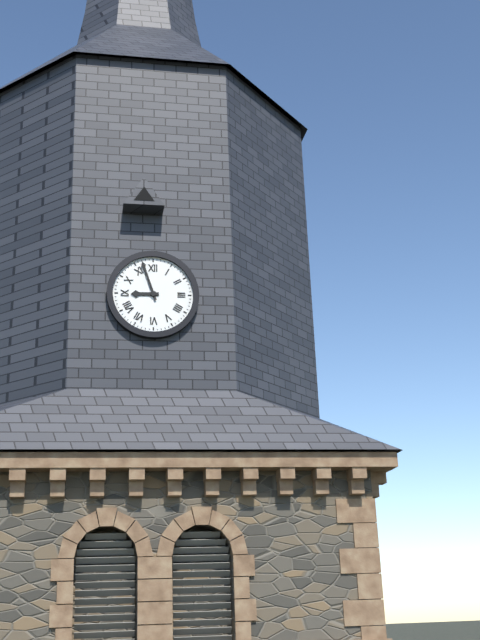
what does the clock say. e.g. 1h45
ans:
8h57
